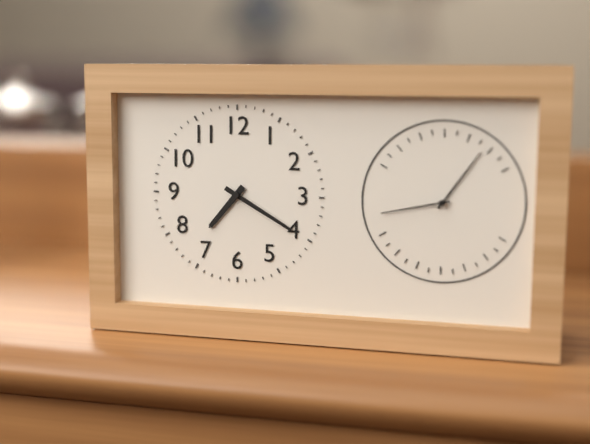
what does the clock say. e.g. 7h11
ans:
7h20
